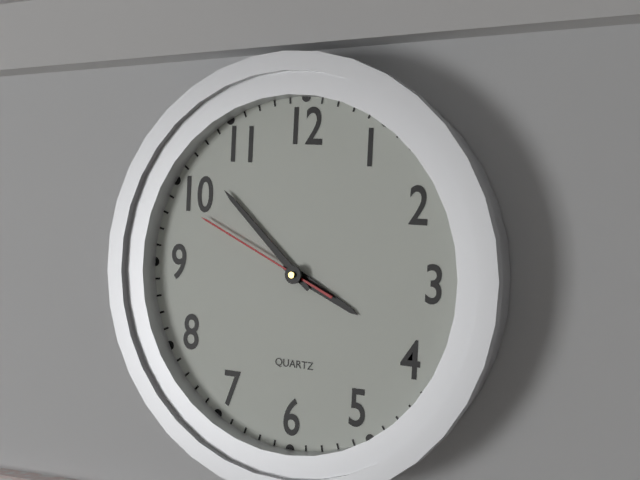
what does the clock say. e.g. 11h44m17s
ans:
3h52m49s
